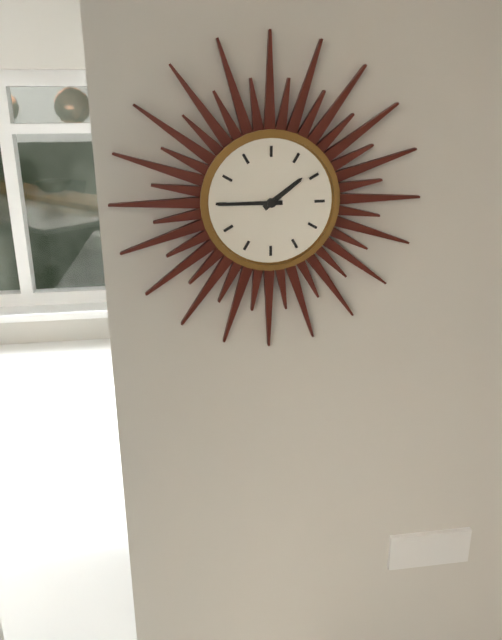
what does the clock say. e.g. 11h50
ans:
1h45
